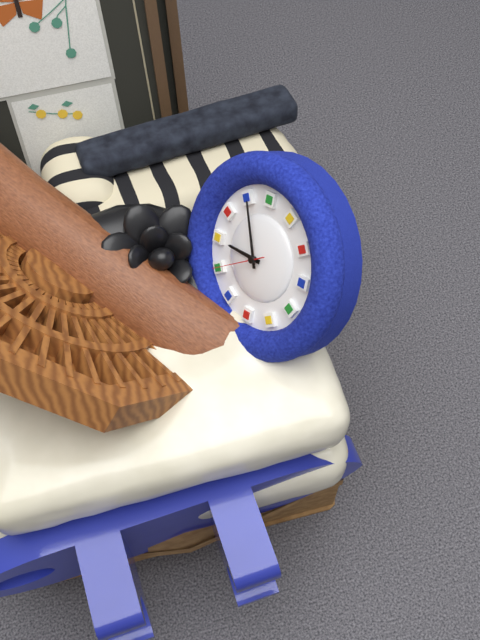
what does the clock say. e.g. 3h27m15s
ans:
10h01m45s
